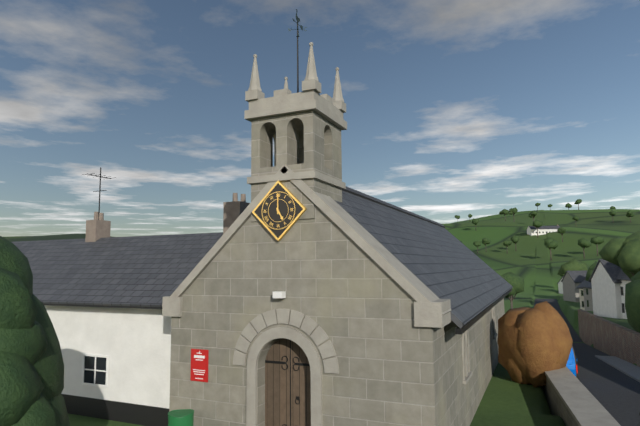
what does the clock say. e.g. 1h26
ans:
5h00
